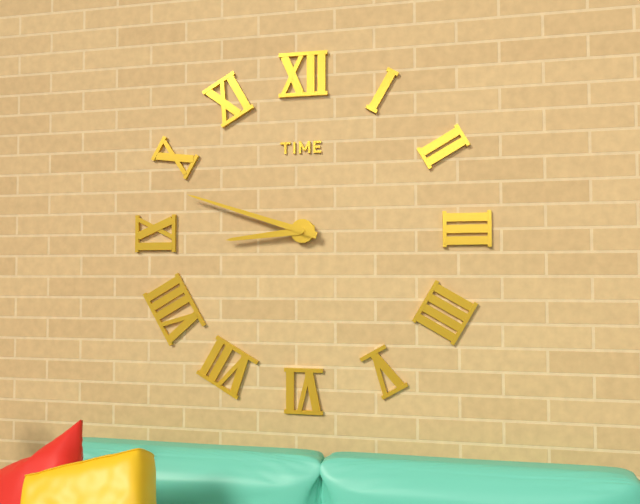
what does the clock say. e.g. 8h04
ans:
8h48
